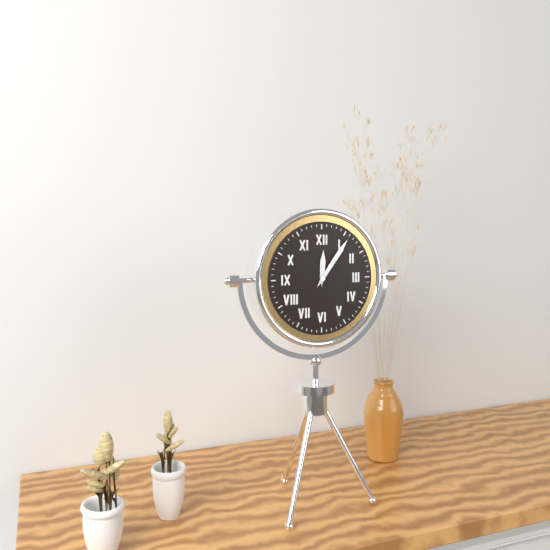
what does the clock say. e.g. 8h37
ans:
12h06
